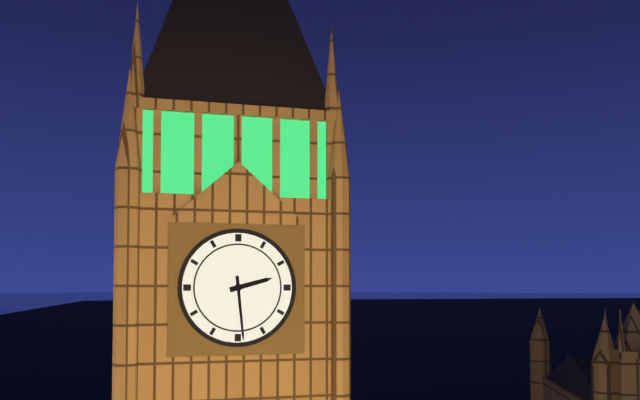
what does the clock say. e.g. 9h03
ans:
2h29
